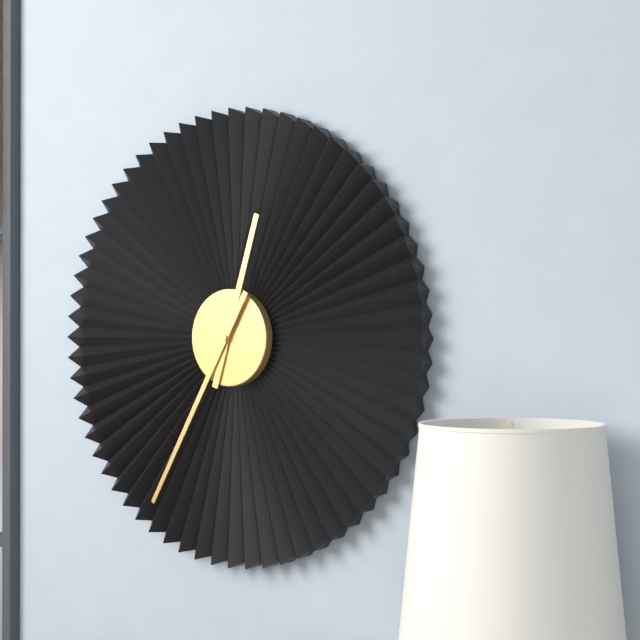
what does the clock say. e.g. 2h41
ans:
12h35
